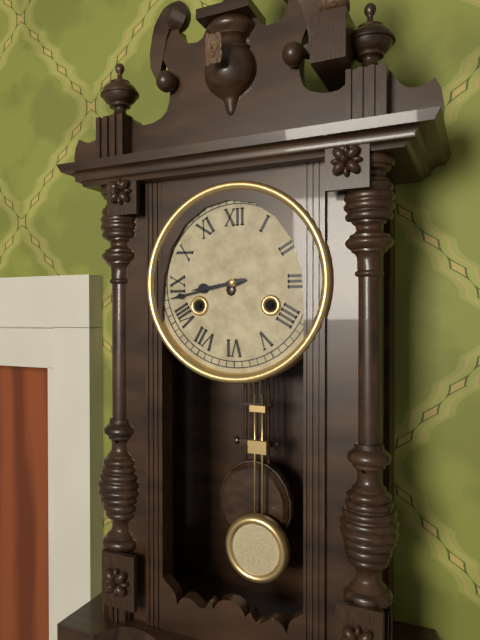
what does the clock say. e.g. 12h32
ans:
8h43
